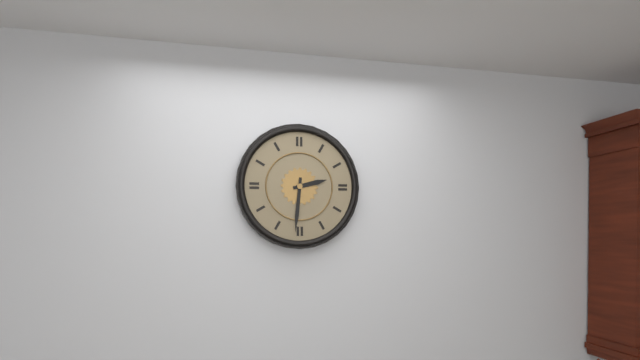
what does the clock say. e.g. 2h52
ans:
2h31
